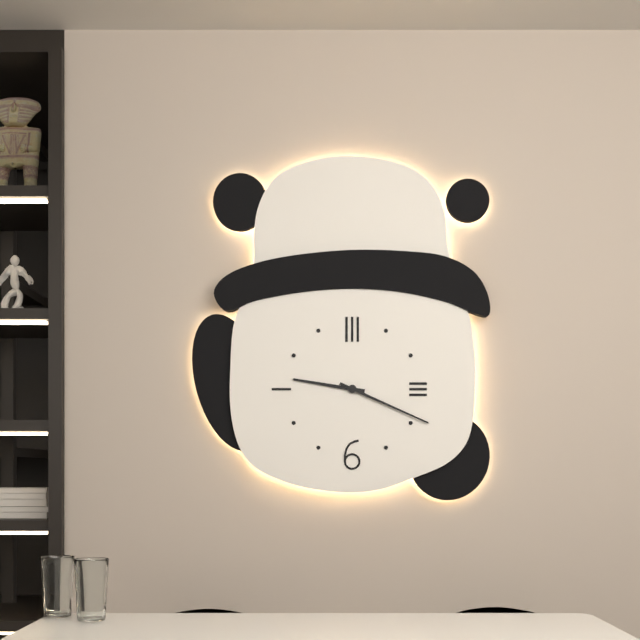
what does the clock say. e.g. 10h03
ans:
9h19
